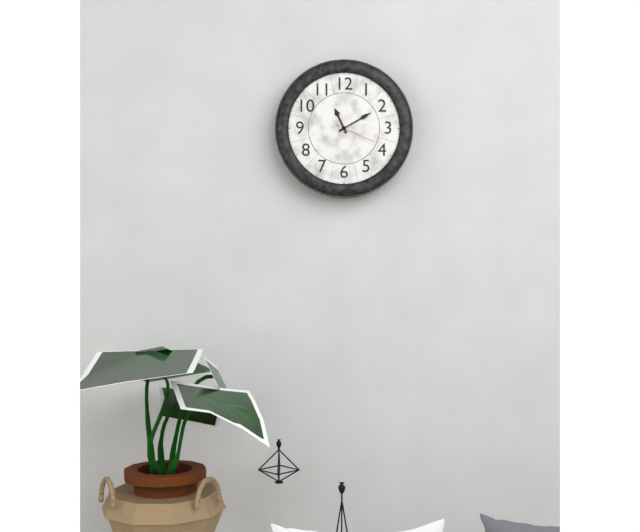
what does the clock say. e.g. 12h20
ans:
11h10
